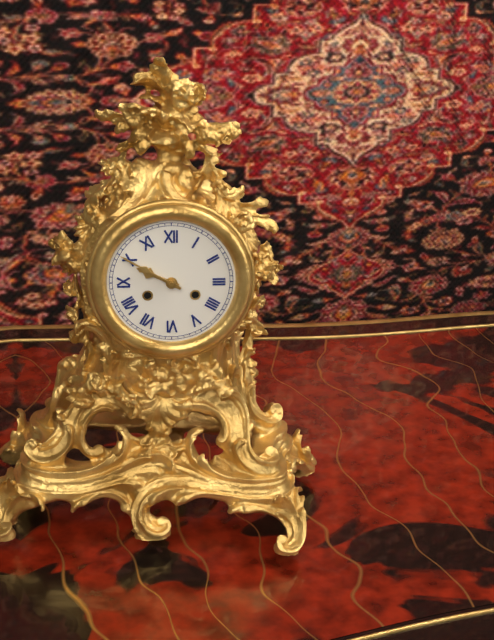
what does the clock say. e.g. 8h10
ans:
9h50
